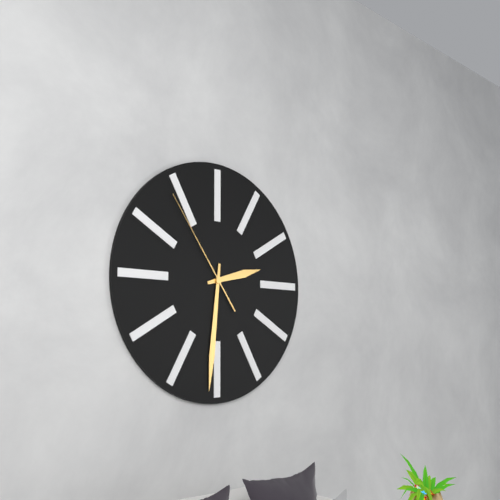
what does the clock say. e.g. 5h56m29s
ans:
2h31m54s
